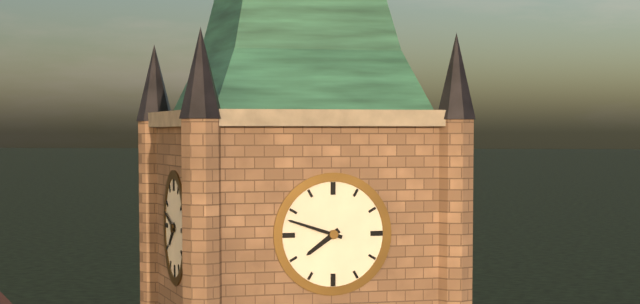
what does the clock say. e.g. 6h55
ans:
7h48
